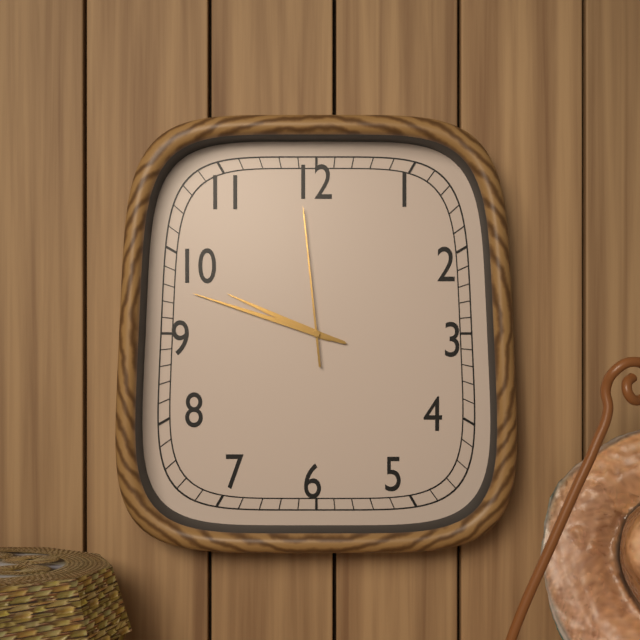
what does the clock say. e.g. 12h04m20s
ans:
9h48m59s
